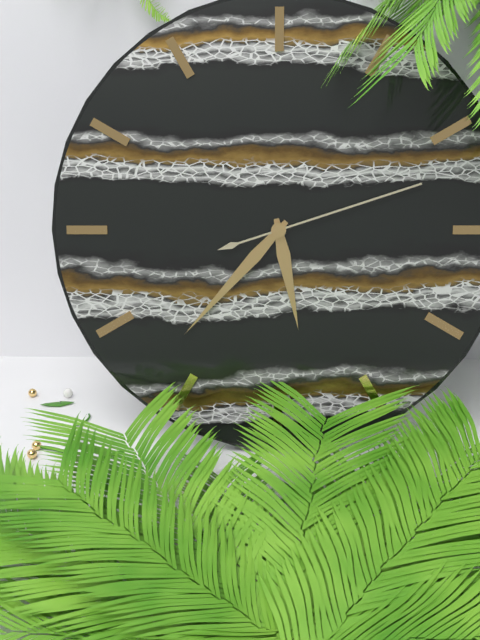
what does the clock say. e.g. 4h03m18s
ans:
5h37m12s
